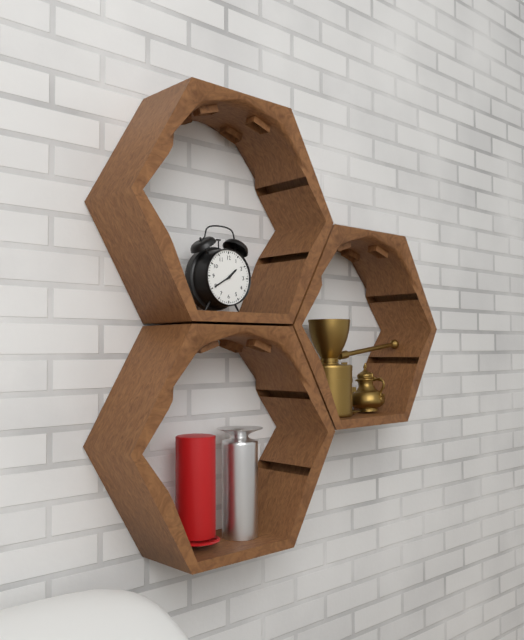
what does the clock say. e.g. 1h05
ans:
1h40
